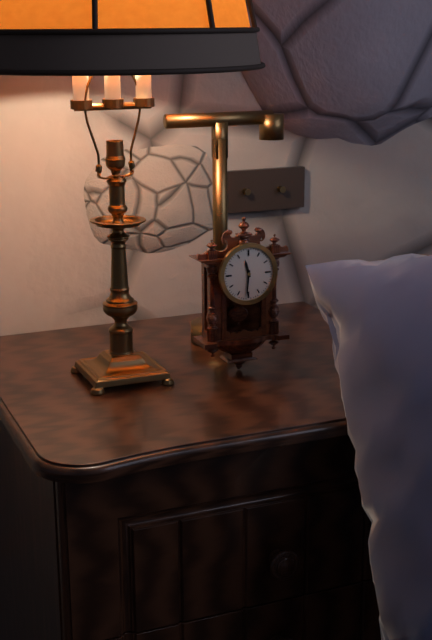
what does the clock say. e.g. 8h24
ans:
11h31
